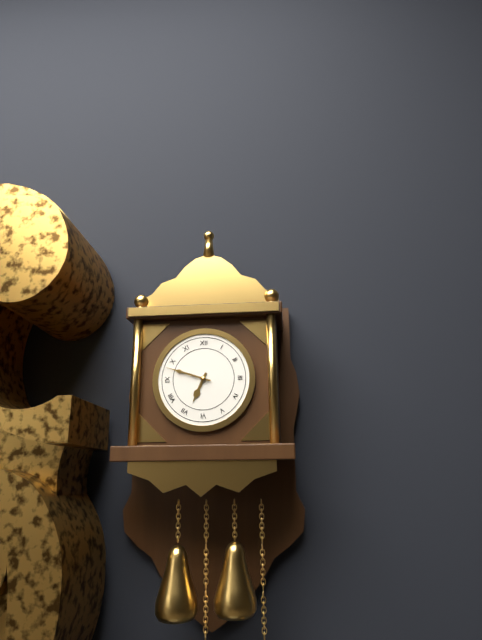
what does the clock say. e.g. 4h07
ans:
6h48
